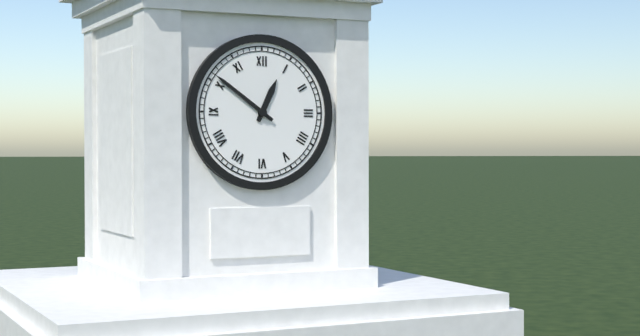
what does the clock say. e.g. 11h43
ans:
12h51
